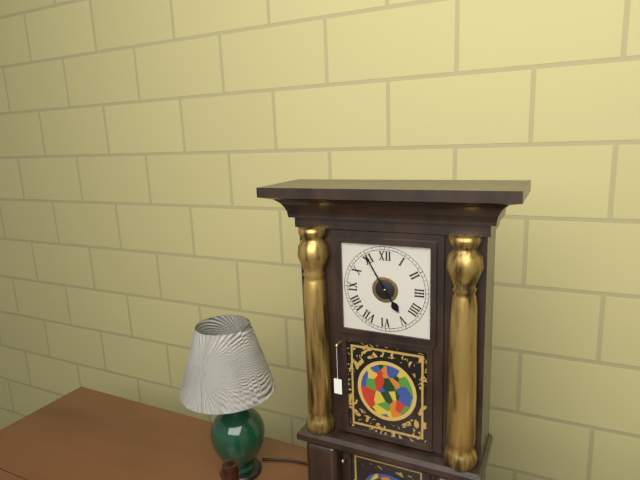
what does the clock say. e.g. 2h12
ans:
4h55
